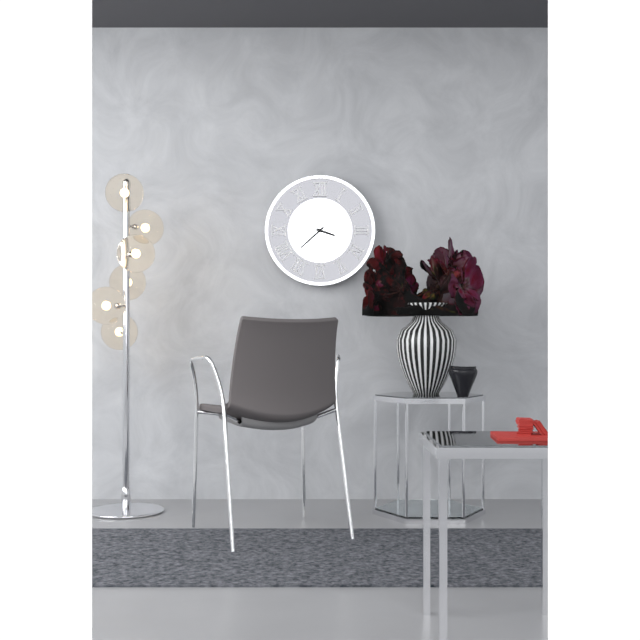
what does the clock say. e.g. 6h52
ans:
3h38
